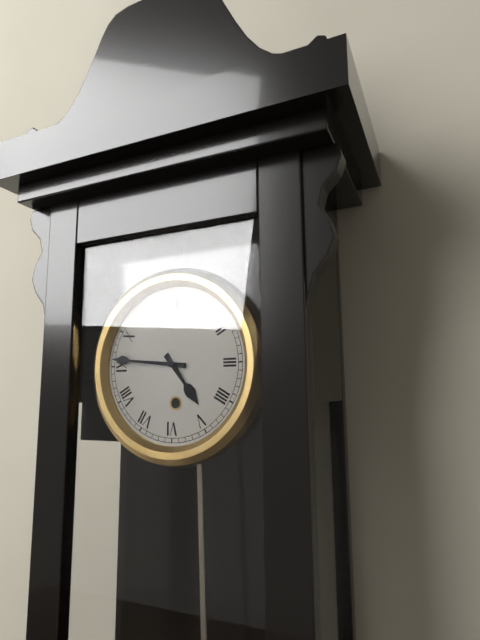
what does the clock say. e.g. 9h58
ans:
4h46
